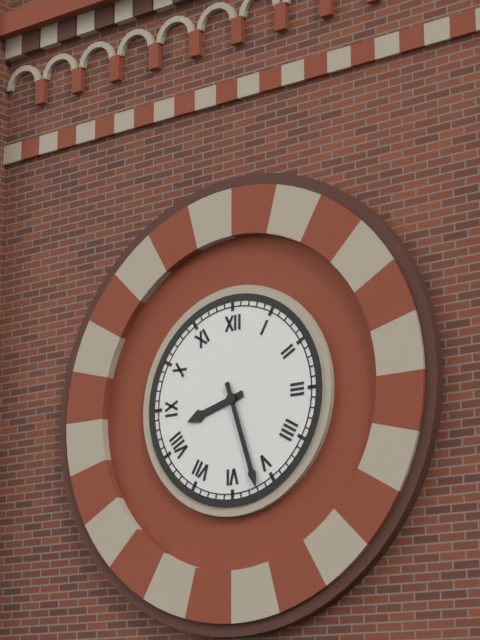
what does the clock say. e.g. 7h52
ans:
8h27
